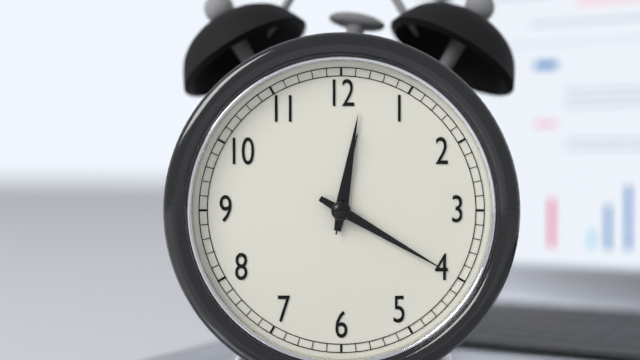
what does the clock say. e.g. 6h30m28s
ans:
12h20m02s
